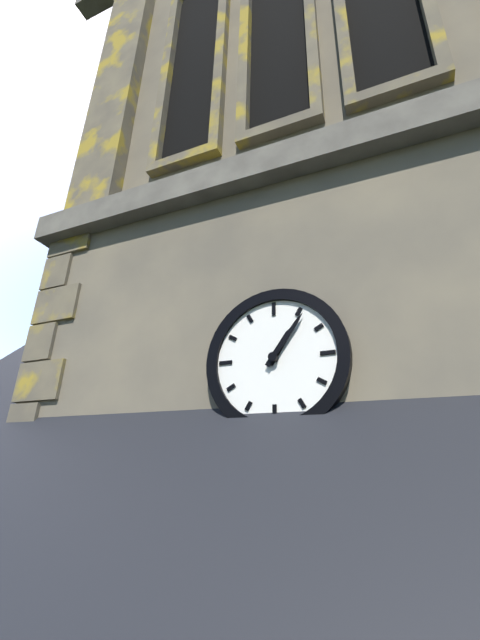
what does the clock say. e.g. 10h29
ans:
1h06
